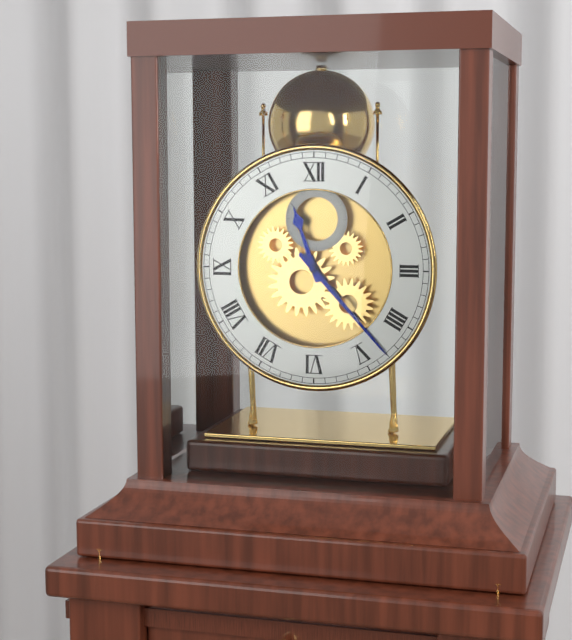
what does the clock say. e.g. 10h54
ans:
11h23
